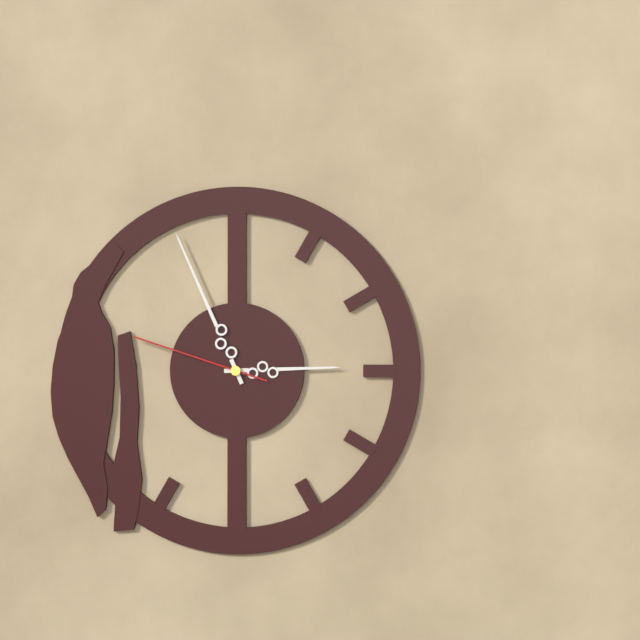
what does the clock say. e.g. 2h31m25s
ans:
2h56m48s
